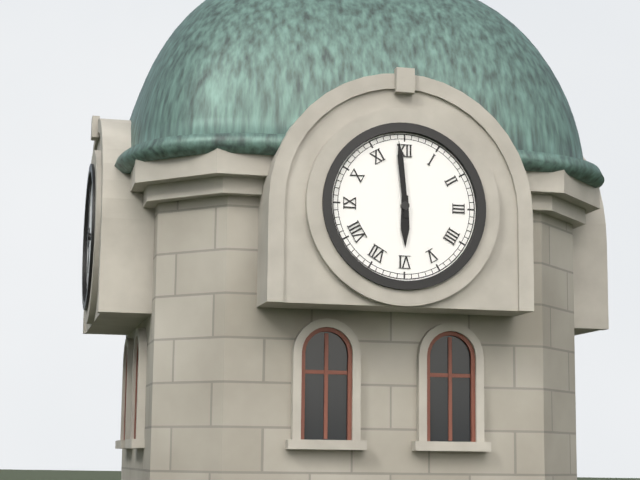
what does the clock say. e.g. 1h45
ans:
5h59
